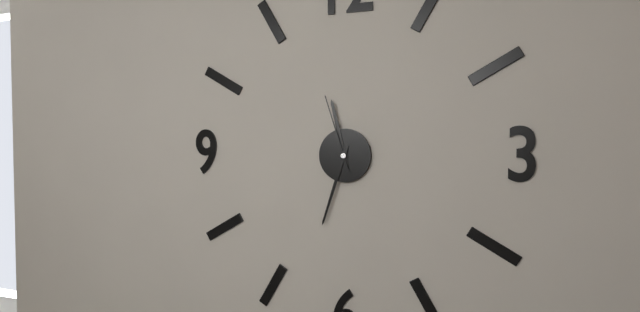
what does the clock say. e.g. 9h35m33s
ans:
11h33m57s
